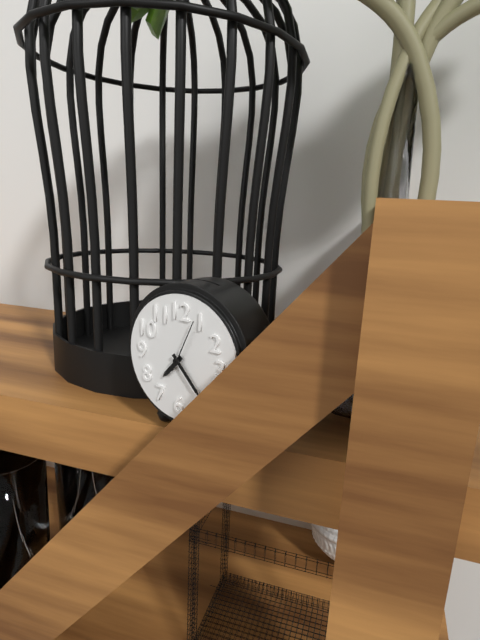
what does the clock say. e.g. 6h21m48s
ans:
7h23m04s
